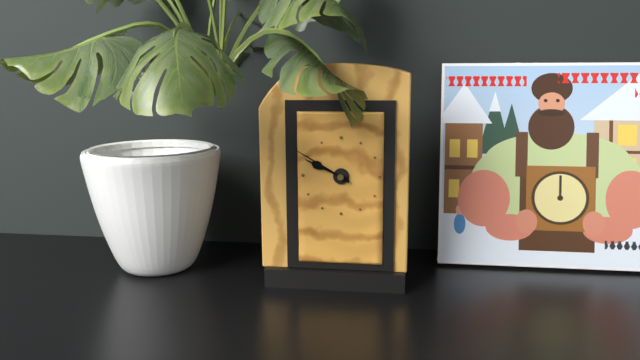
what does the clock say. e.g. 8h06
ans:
9h50
